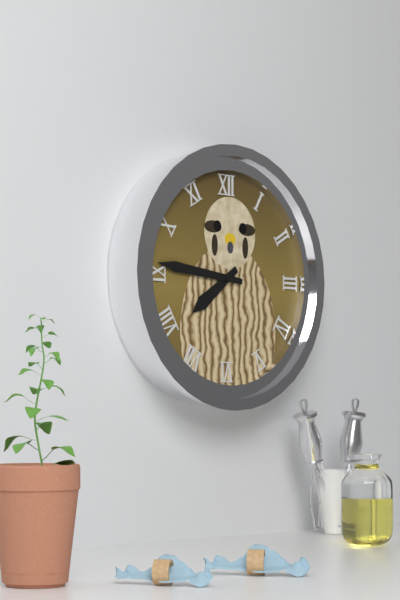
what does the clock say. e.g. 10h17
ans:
7h46
